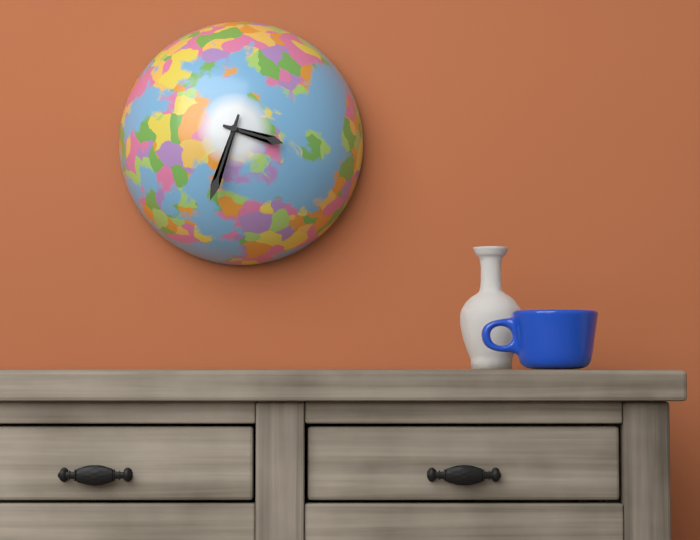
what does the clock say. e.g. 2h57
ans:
3h33
